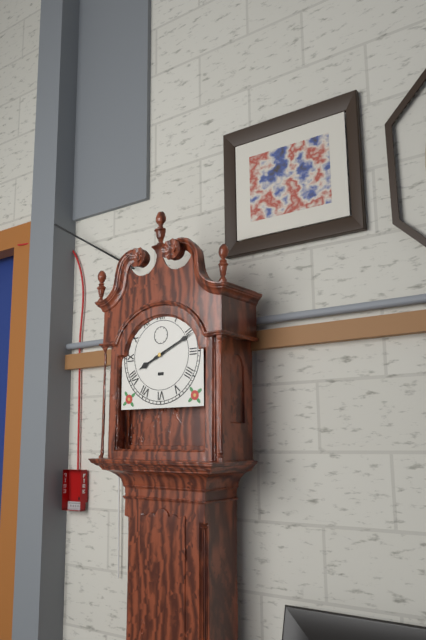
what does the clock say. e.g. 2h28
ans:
8h11
